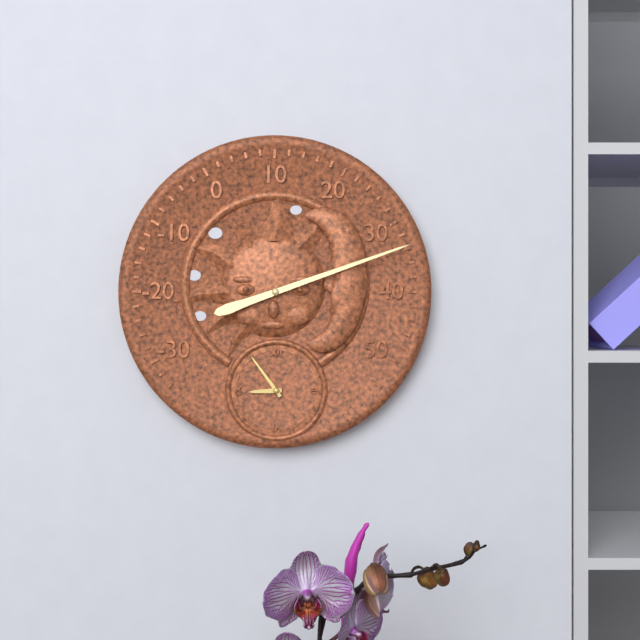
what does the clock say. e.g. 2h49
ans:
8h54
